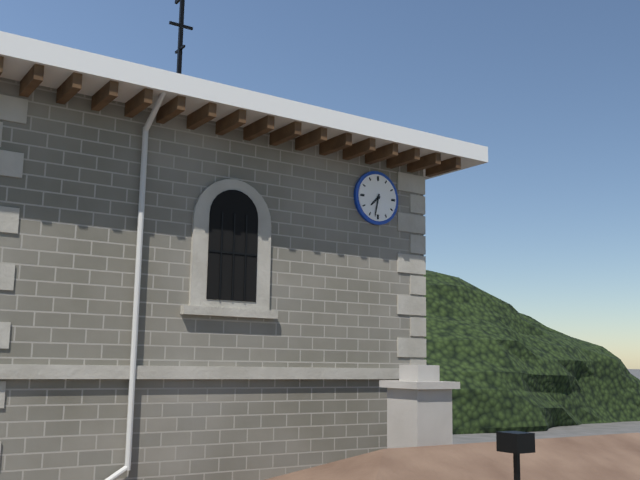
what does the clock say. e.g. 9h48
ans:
7h32
